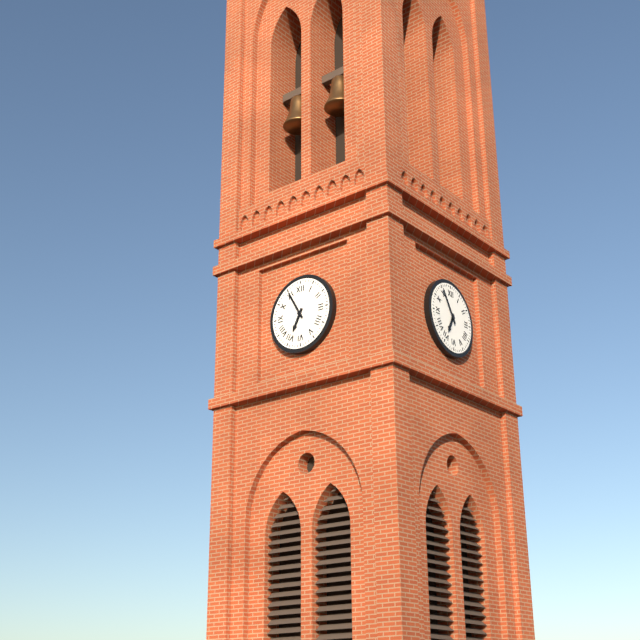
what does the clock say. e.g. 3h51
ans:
6h55
